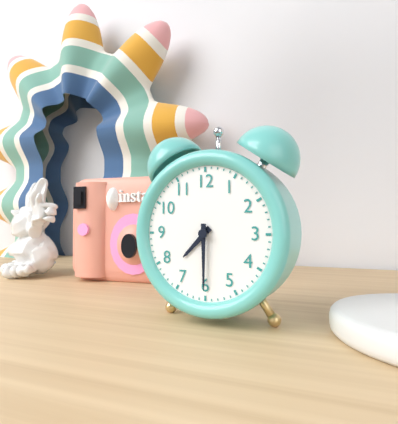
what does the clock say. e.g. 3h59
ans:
7h30
